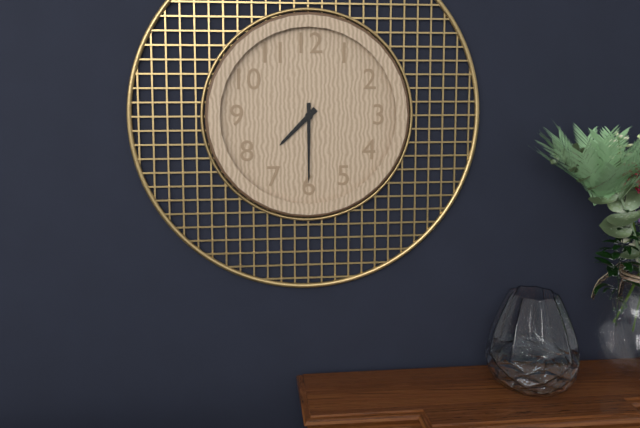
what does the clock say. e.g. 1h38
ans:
7h30
